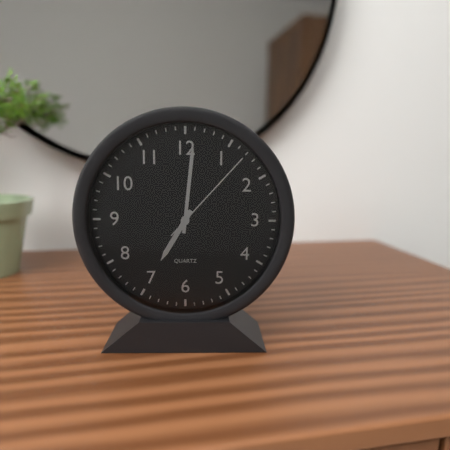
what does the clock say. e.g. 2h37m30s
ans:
7h01m07s
